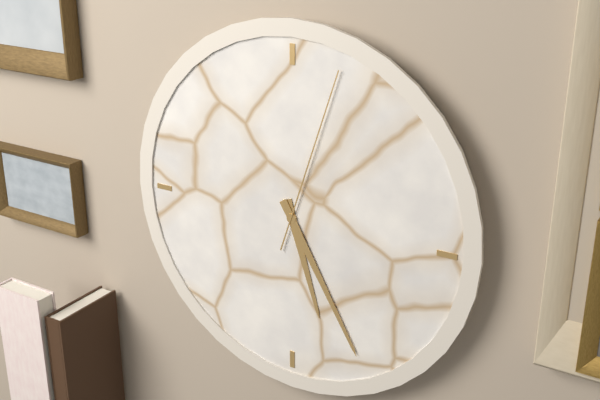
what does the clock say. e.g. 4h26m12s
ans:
5h25m03s
